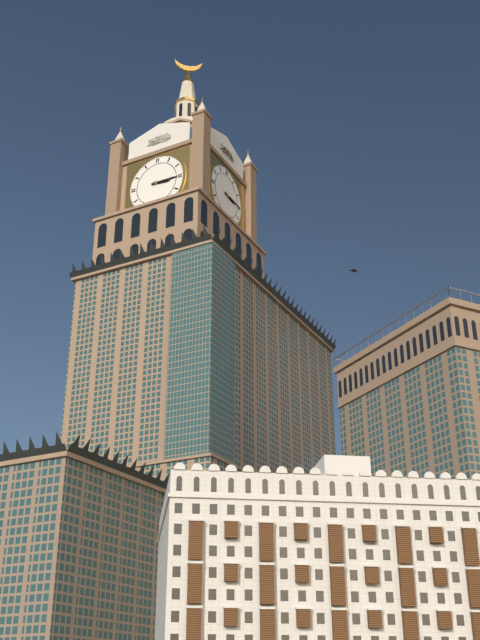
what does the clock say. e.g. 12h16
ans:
3h15
